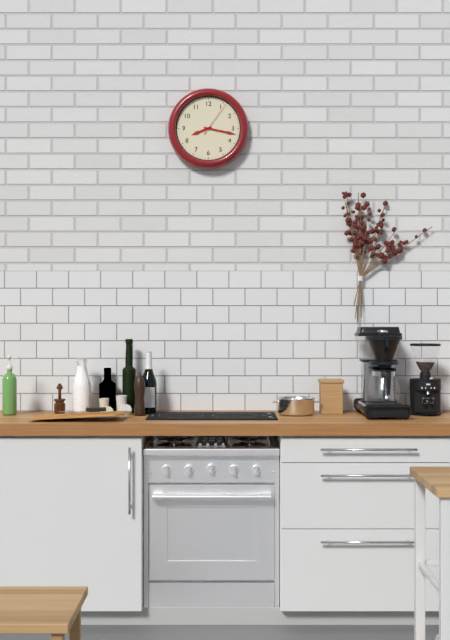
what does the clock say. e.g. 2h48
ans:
8h17
